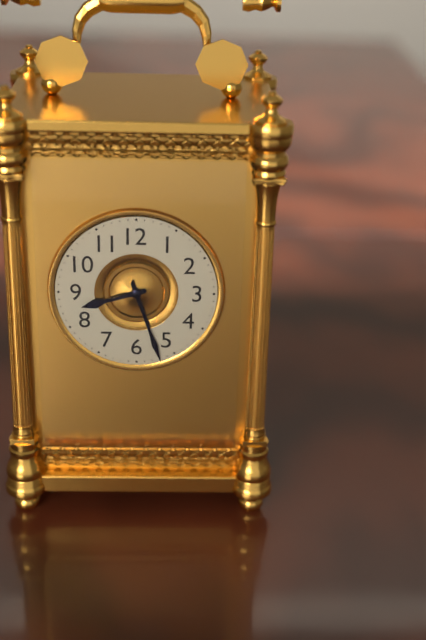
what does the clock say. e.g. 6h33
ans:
8h27
